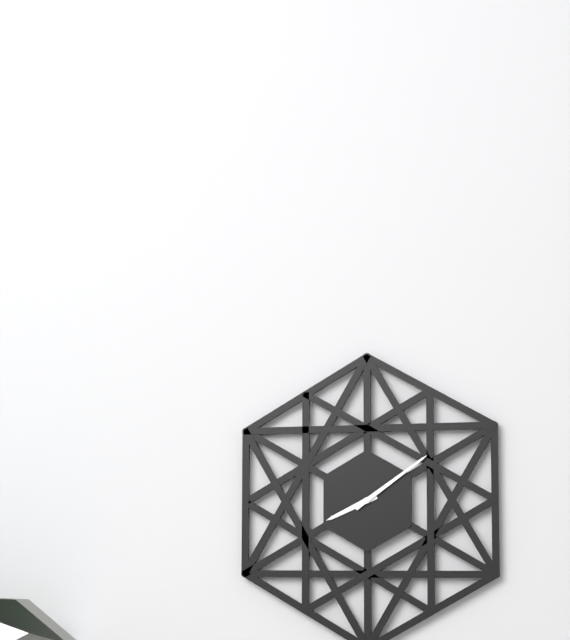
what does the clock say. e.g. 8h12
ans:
8h09
